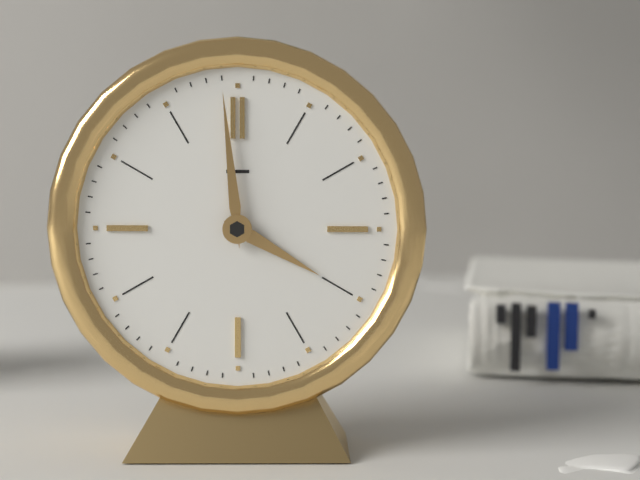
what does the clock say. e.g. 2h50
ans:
3h59
